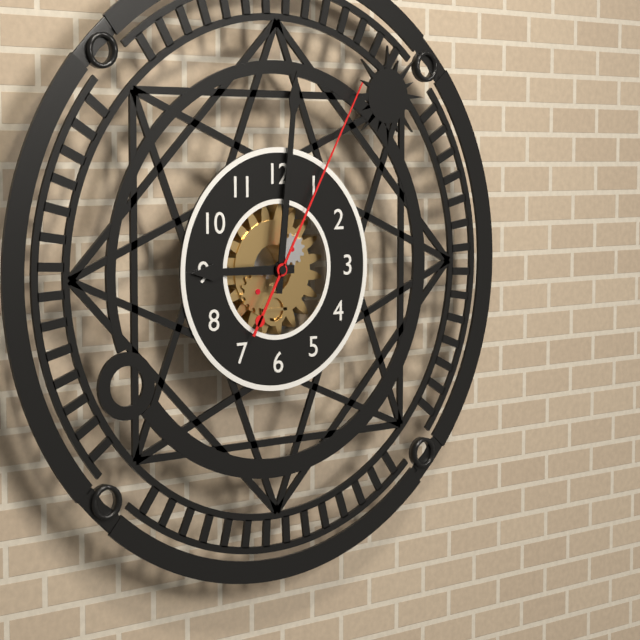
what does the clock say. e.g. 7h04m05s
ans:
9h01m05s
